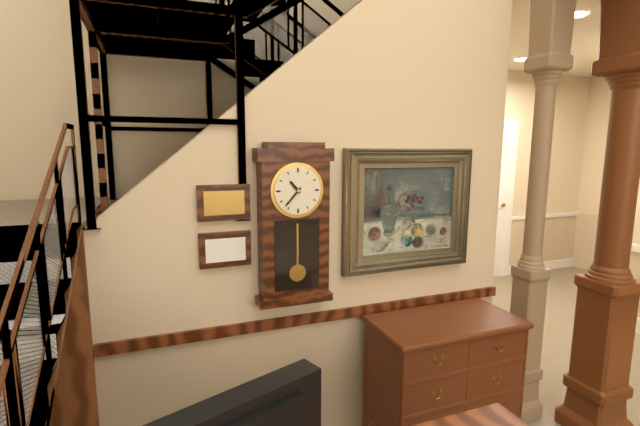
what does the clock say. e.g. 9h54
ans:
10h37
